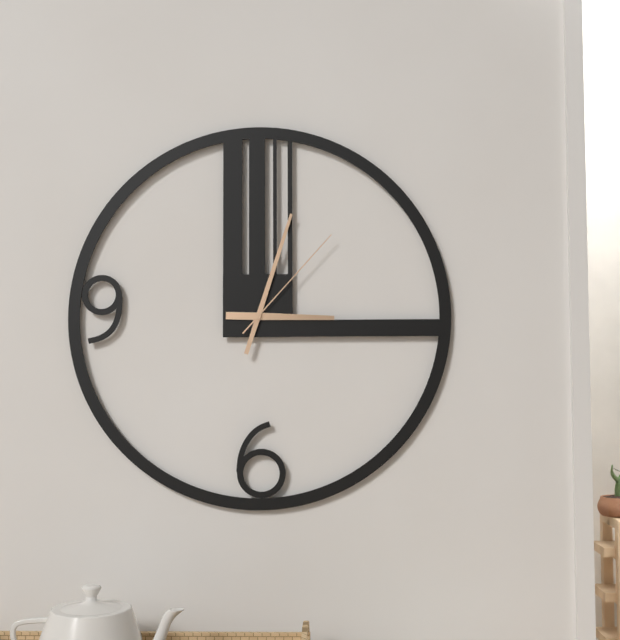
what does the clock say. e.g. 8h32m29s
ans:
3h03m07s
